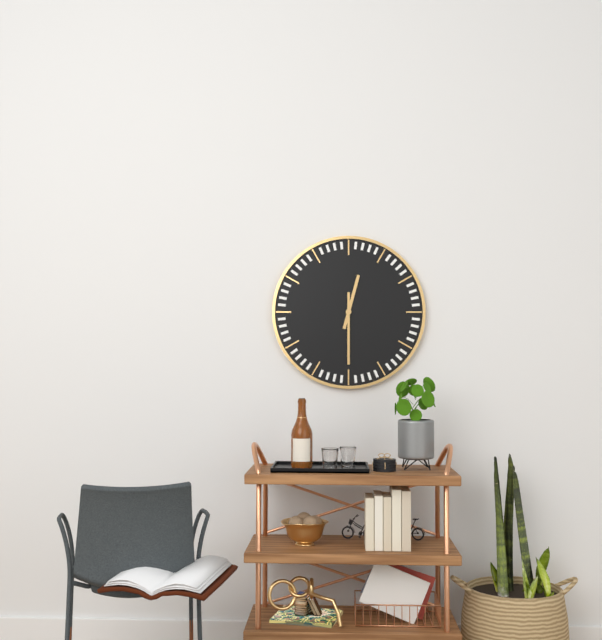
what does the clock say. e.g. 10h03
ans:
12h30
